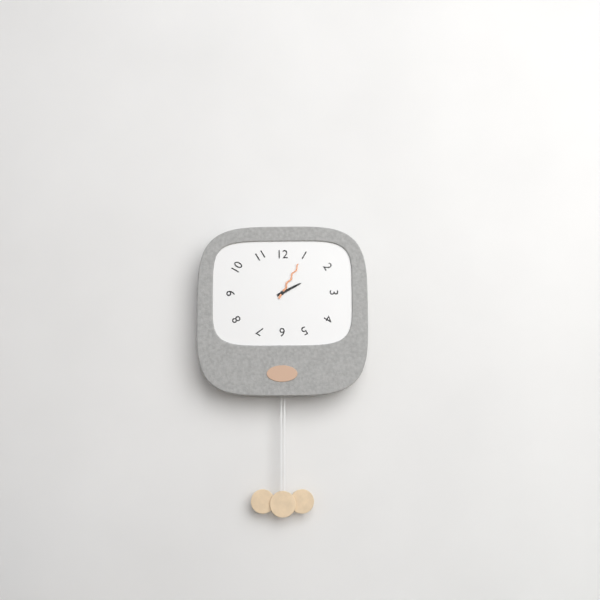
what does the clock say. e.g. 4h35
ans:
2h05
